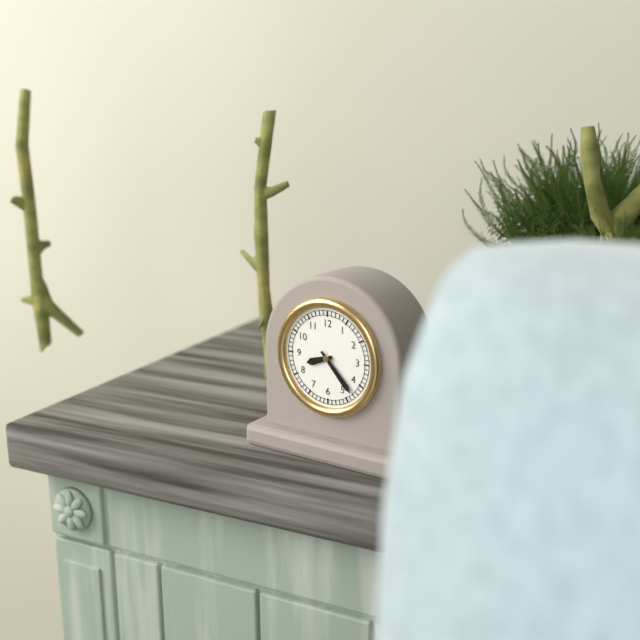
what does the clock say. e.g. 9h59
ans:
8h23
